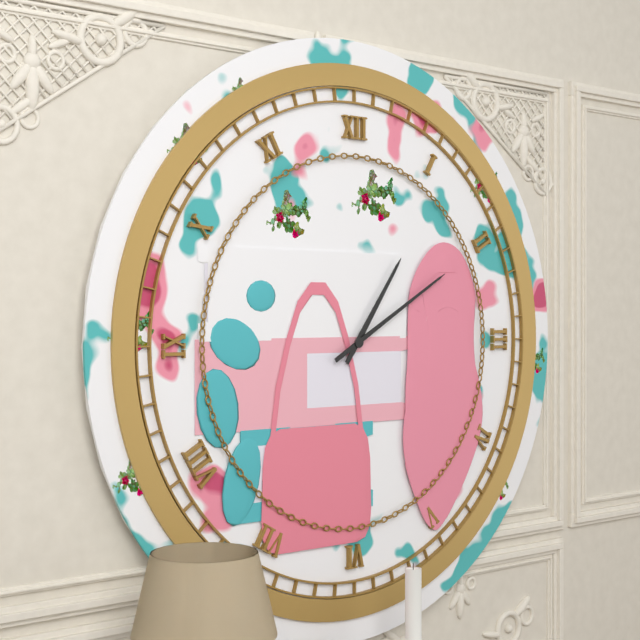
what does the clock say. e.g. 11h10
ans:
1h10
